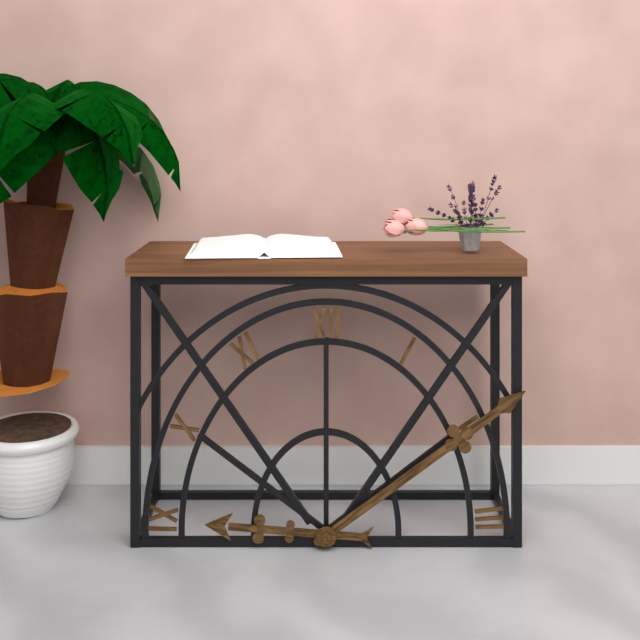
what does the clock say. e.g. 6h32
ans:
9h09
